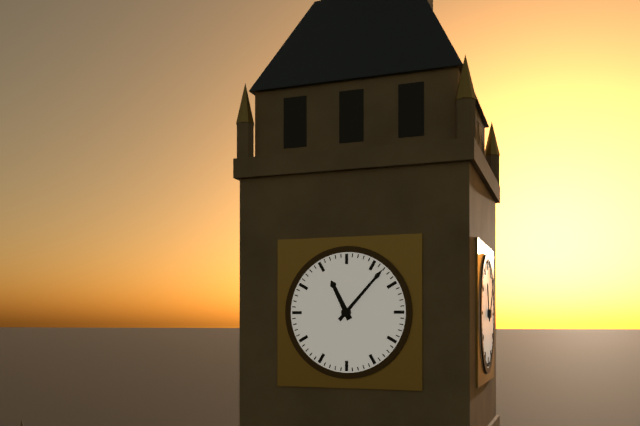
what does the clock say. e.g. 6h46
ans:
11h07
